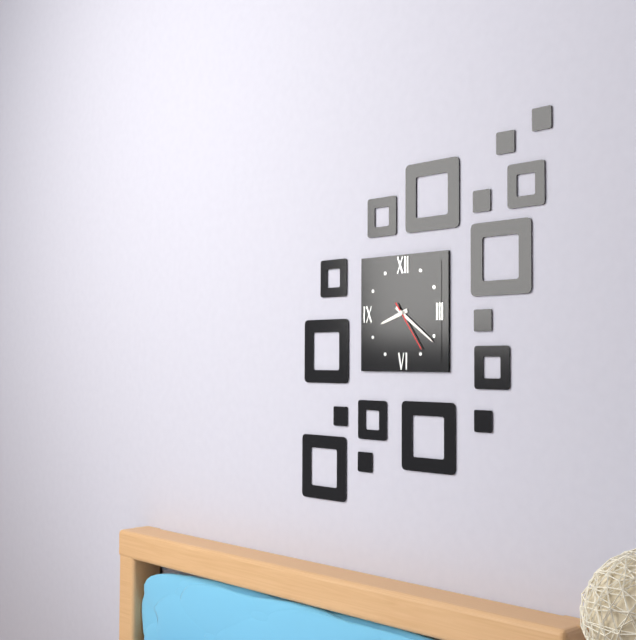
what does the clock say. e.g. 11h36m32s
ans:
8h21m24s
